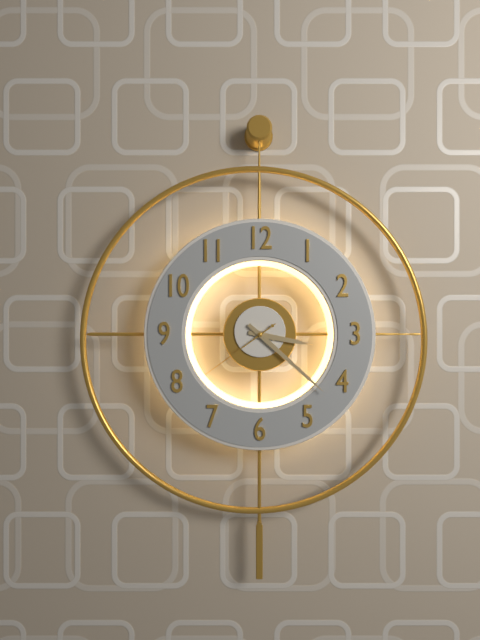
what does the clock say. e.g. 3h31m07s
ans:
3h22m39s
